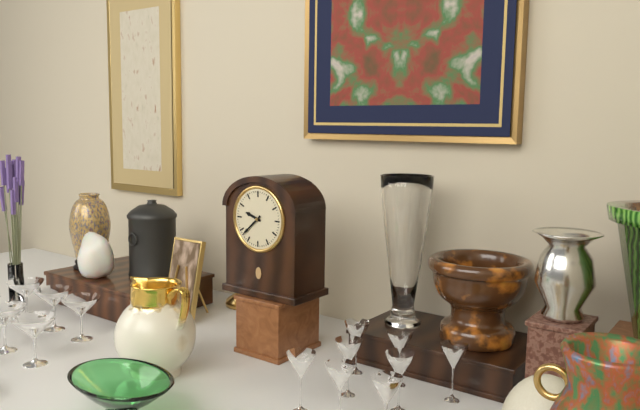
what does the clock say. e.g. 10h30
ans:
9h38
